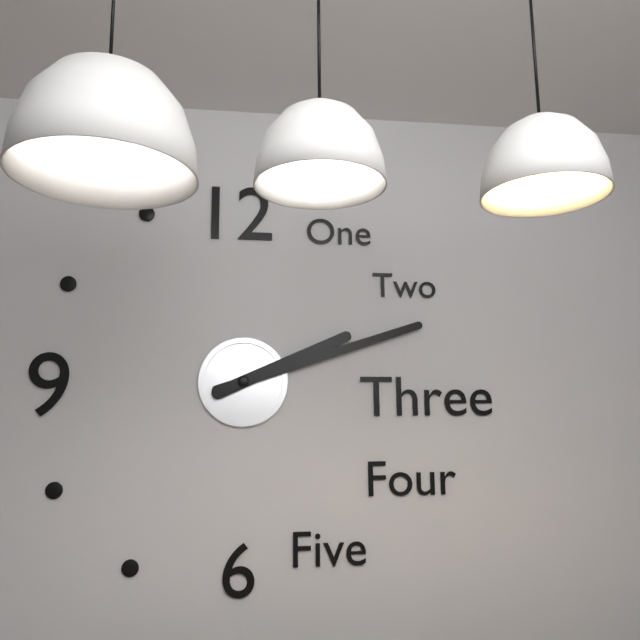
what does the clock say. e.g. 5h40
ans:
2h12
